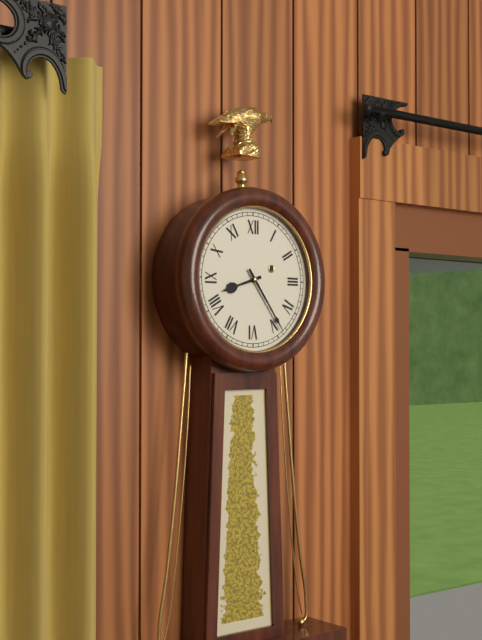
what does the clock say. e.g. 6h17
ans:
8h24
